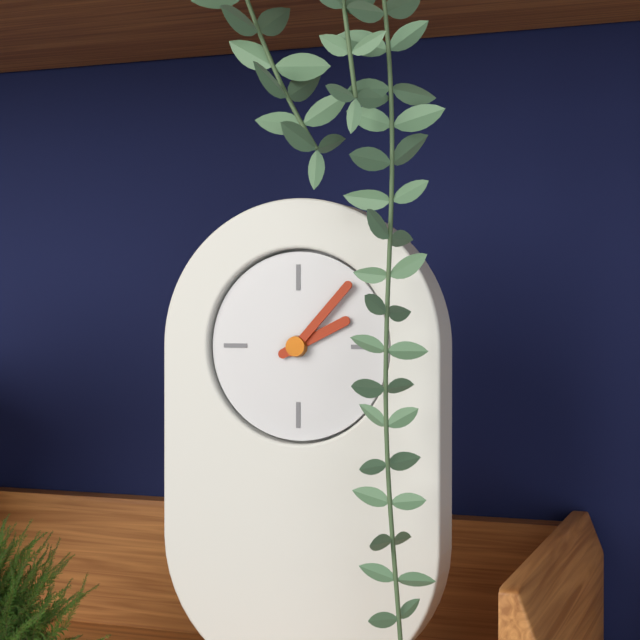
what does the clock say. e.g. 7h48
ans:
2h07
